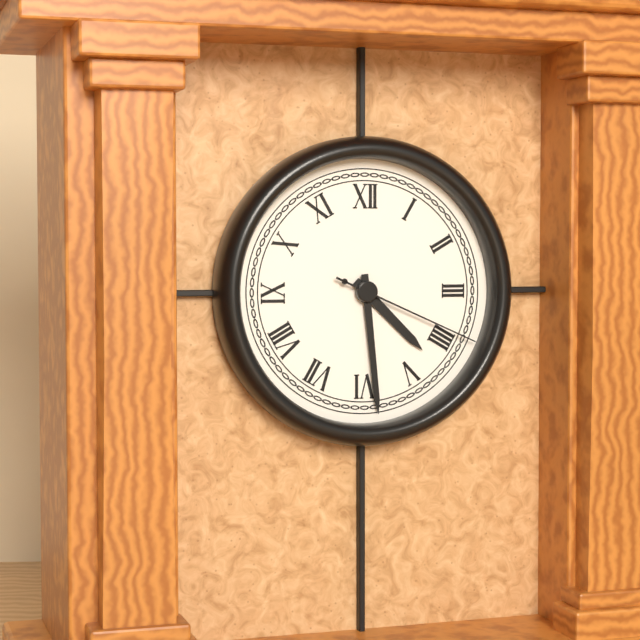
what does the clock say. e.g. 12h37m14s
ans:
4h29m19s
